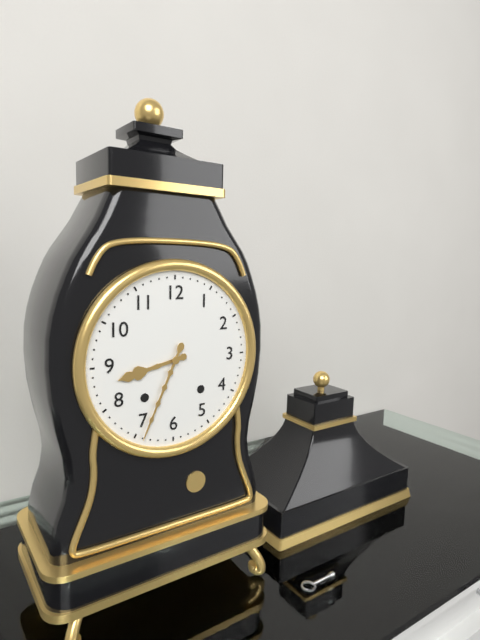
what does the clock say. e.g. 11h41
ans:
8h34
